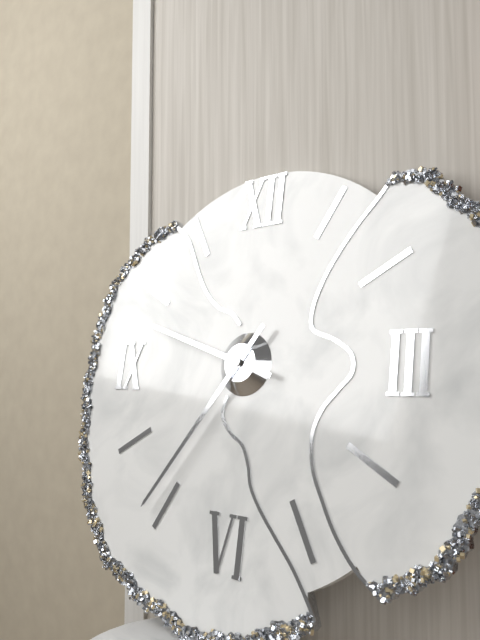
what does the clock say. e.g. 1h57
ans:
9h36
